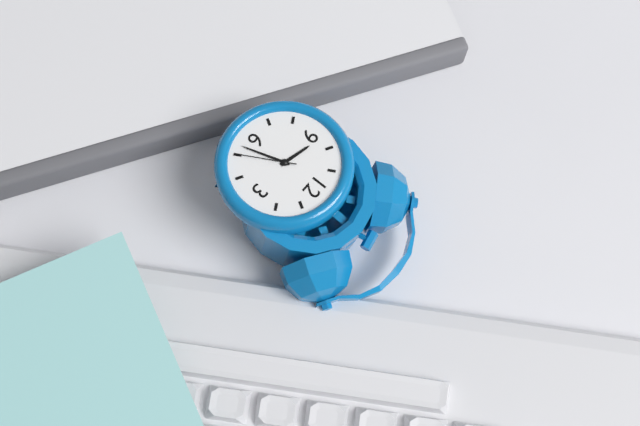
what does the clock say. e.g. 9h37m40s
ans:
9h27m25s
